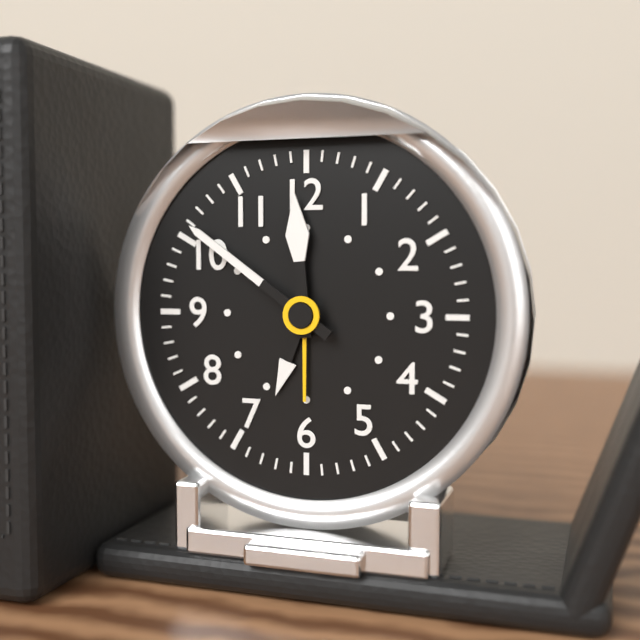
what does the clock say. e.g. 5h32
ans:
11h51
